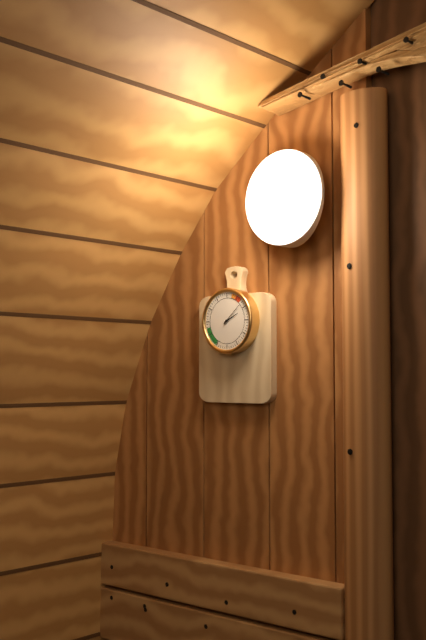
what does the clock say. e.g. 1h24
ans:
2h08
